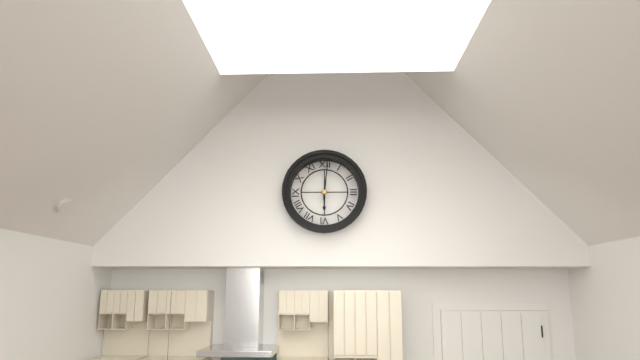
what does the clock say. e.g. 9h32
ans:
6h01
